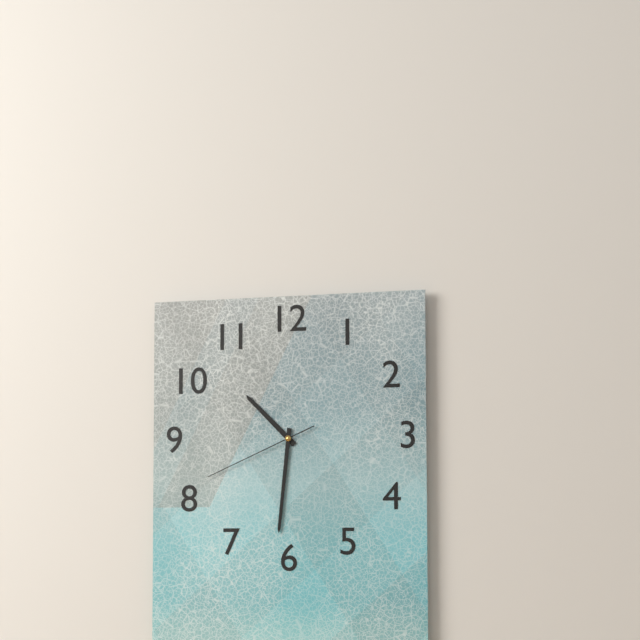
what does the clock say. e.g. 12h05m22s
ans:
10h31m41s
